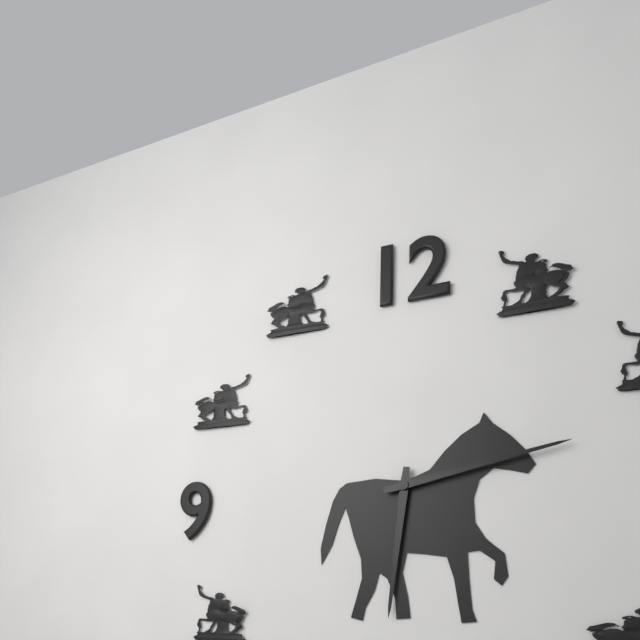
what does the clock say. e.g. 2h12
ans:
6h13
